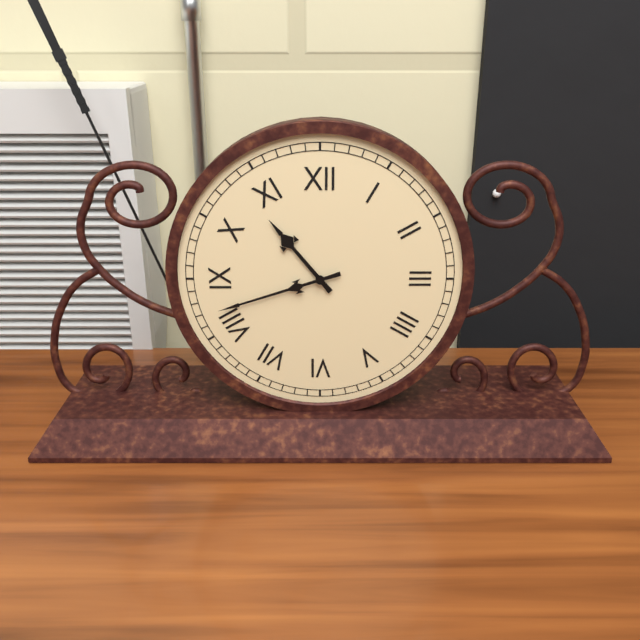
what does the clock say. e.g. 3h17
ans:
10h42
